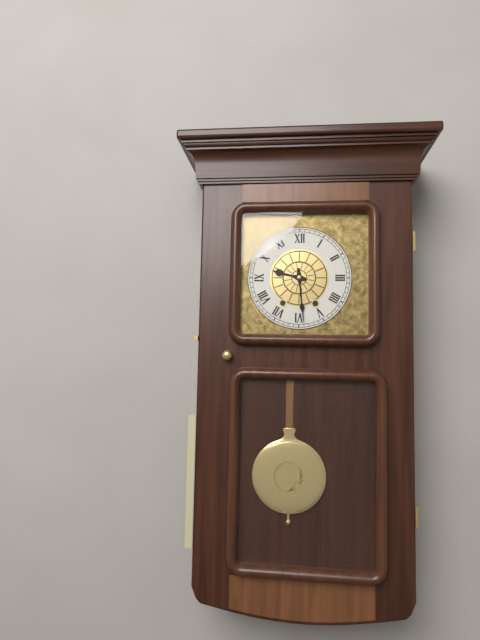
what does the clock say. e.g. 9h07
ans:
9h29
